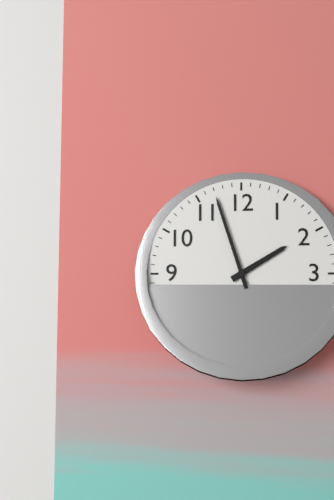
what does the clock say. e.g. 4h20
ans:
1h57
